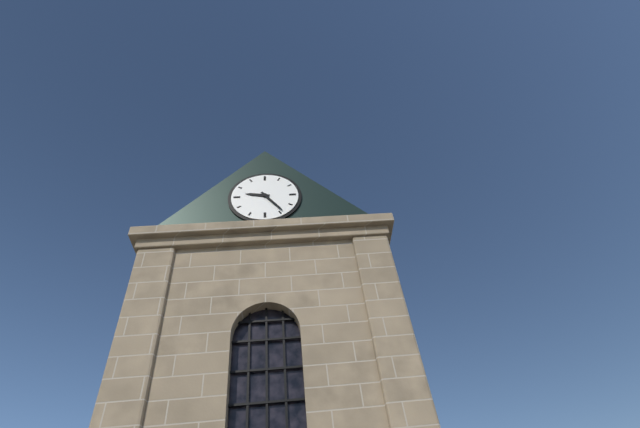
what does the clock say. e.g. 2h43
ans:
9h24
